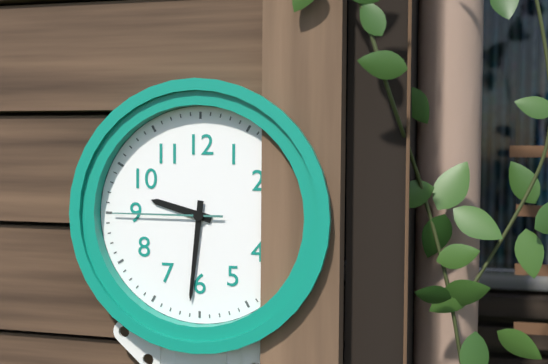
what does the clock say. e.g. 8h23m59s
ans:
9h31m45s
